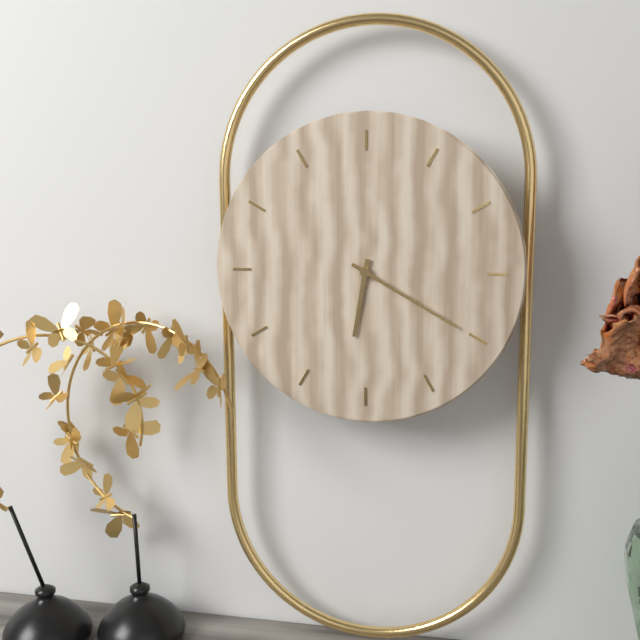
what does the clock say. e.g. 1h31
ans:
6h20
